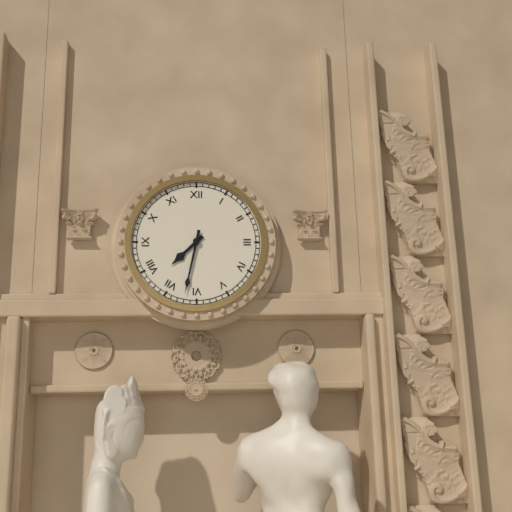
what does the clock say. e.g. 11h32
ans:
7h32
